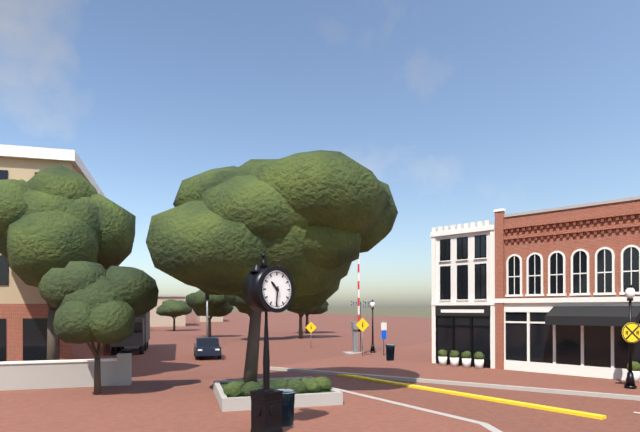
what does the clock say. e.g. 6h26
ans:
10h31
